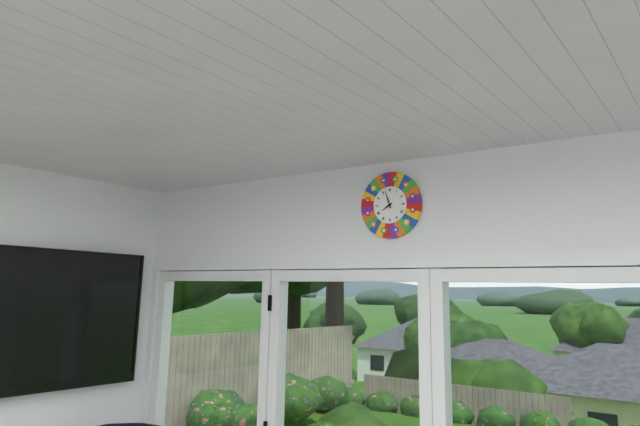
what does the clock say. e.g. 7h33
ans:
7h57
